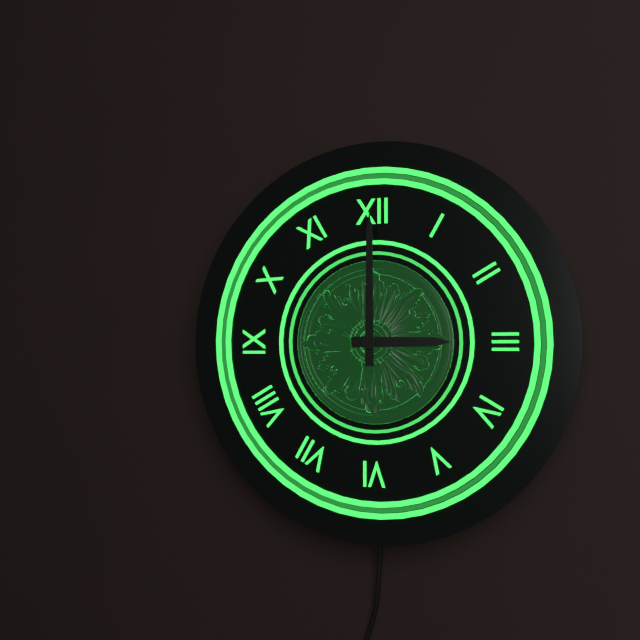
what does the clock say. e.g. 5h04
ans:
3h00
